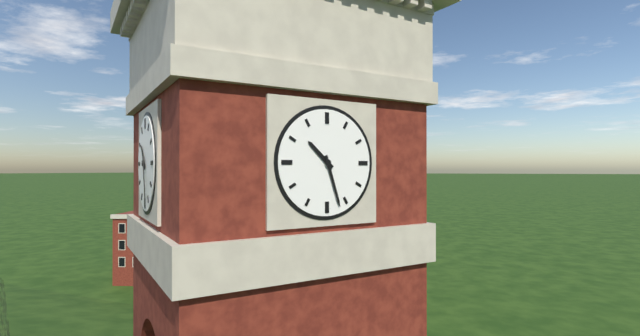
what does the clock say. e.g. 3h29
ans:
10h27
